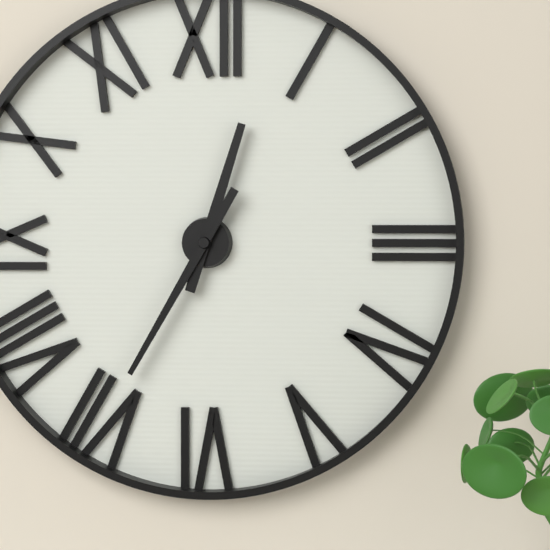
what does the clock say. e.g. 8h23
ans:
12h35
